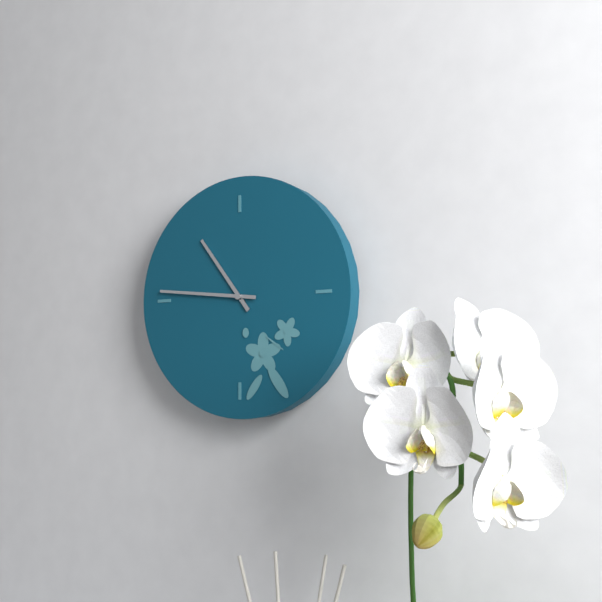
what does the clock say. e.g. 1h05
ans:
10h46
